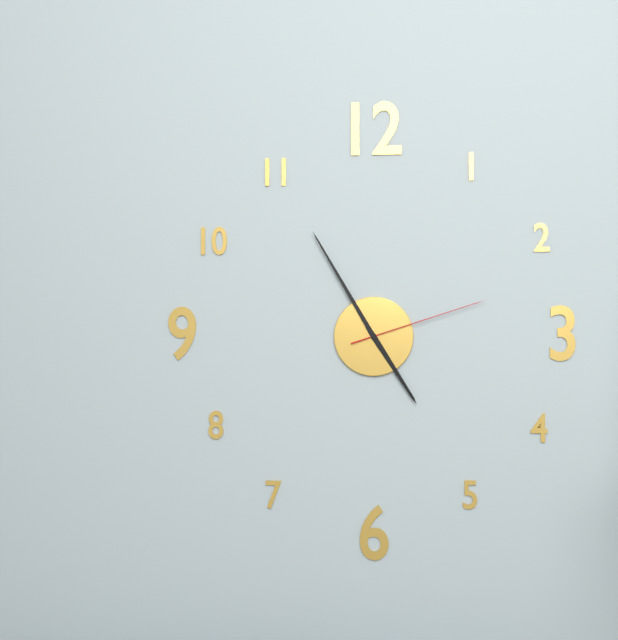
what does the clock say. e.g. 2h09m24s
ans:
4h55m12s
